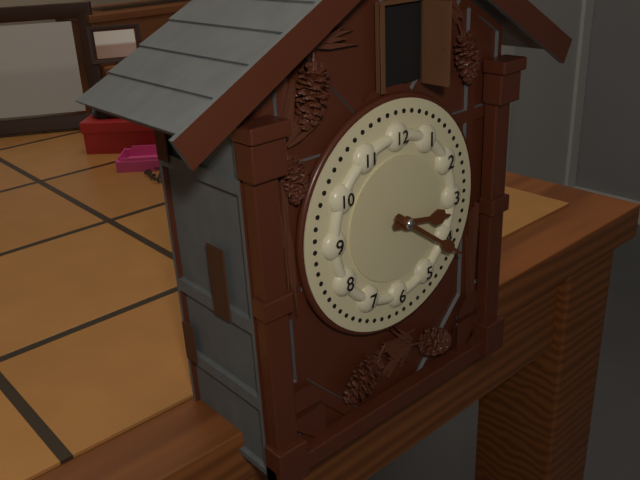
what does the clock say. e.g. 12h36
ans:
3h21
